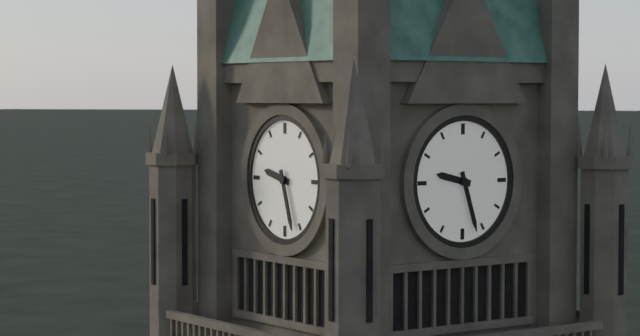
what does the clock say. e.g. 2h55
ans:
9h27
